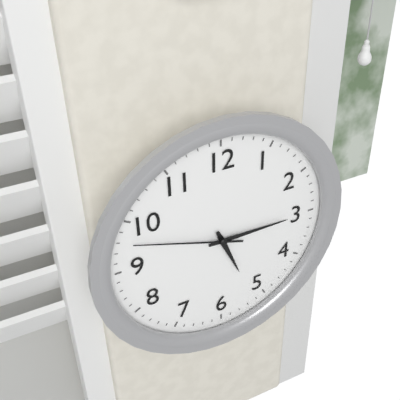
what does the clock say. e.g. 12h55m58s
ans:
5h15m48s
